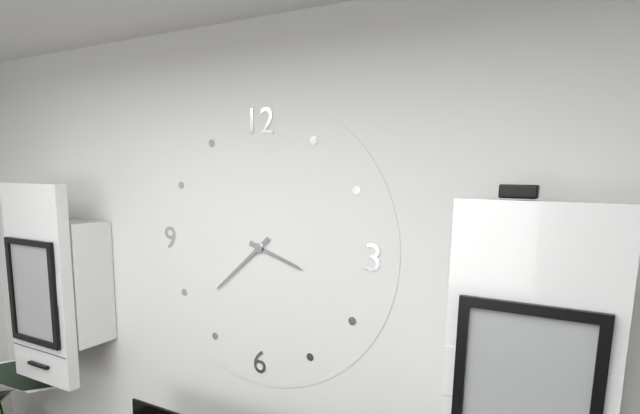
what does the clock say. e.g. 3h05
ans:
3h38
